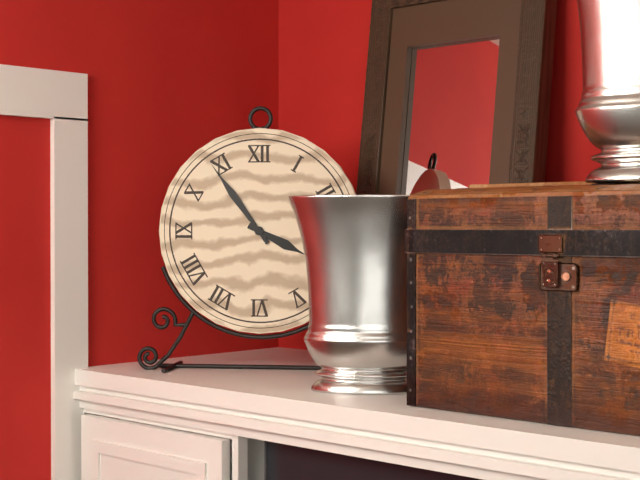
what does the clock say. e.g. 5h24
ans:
3h54
